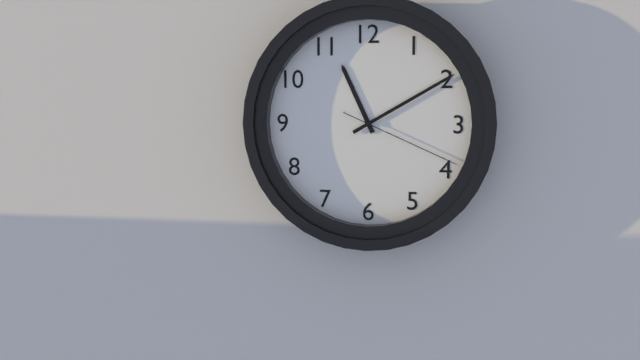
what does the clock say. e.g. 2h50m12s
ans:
11h10m19s
